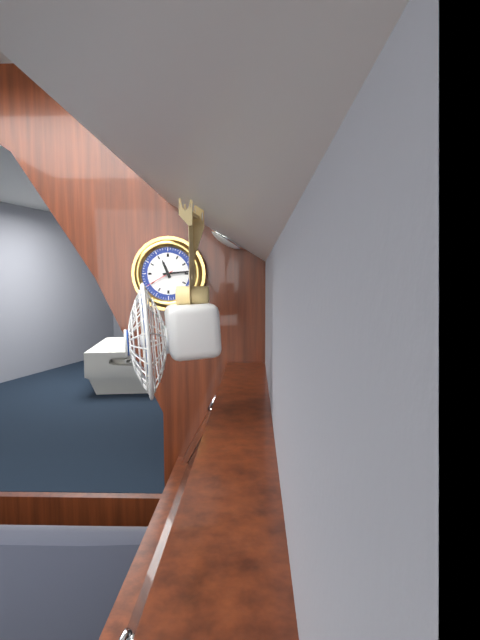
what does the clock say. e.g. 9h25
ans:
11h14
